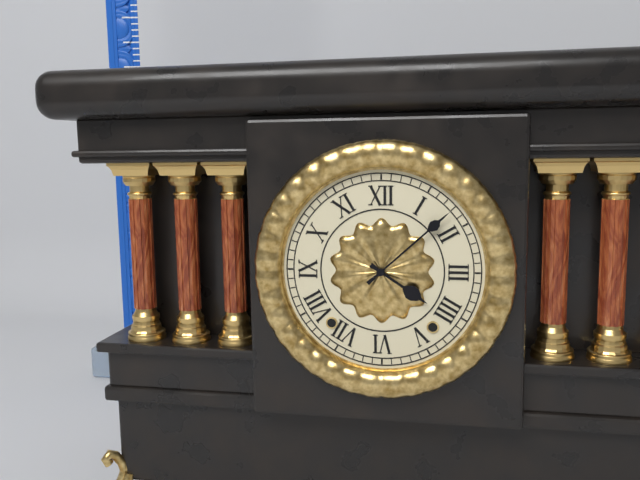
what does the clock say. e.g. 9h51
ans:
4h08
